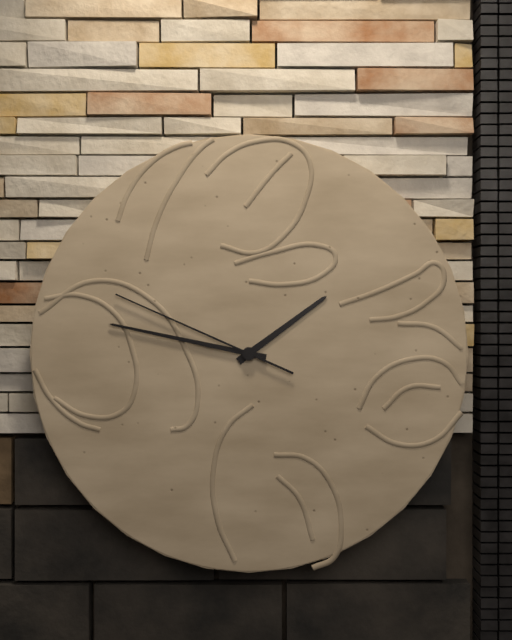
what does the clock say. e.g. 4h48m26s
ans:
1h47m49s
